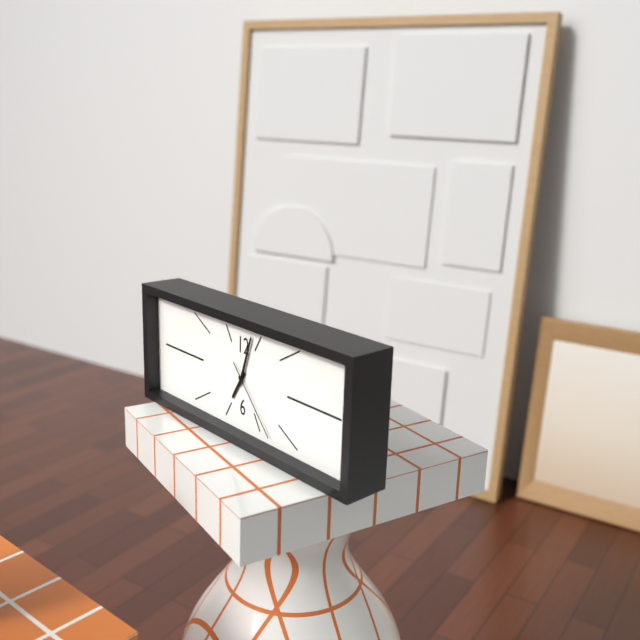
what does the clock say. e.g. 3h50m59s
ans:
7h03m23s
